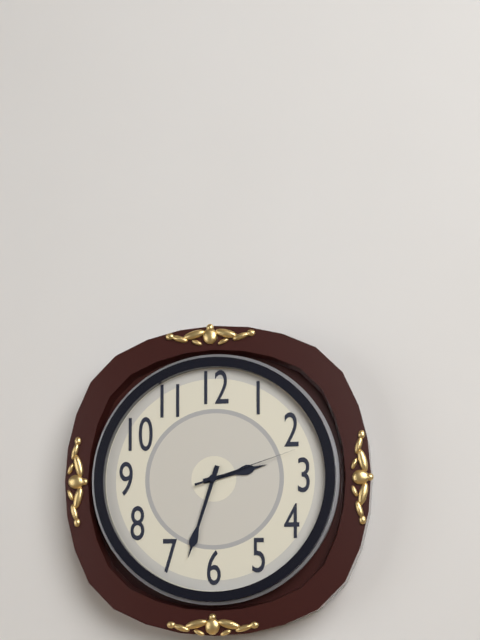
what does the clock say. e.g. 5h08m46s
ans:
2h33m12s
